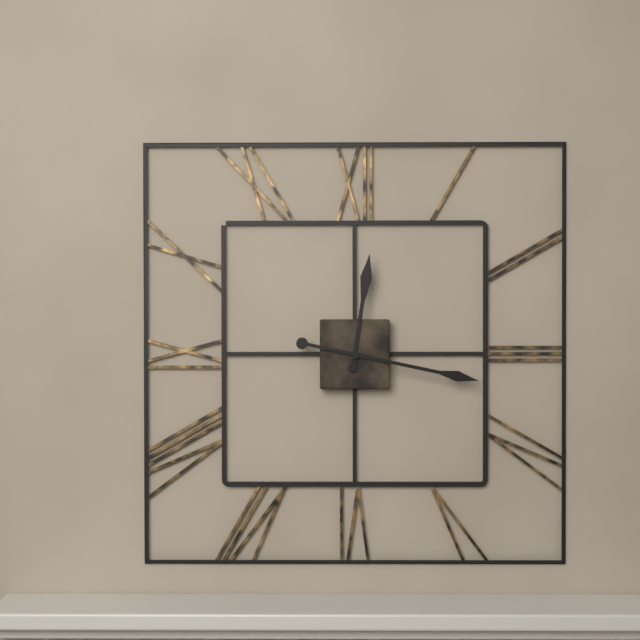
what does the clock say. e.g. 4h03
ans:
12h17
